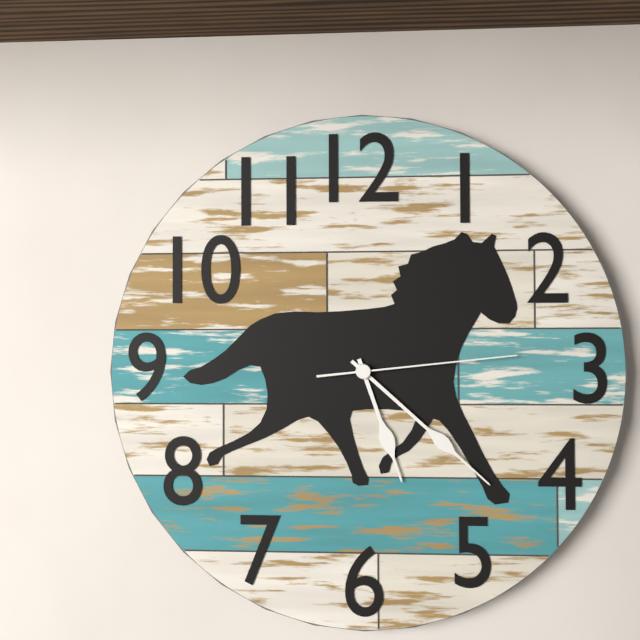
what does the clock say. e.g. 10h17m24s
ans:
5h22m14s
